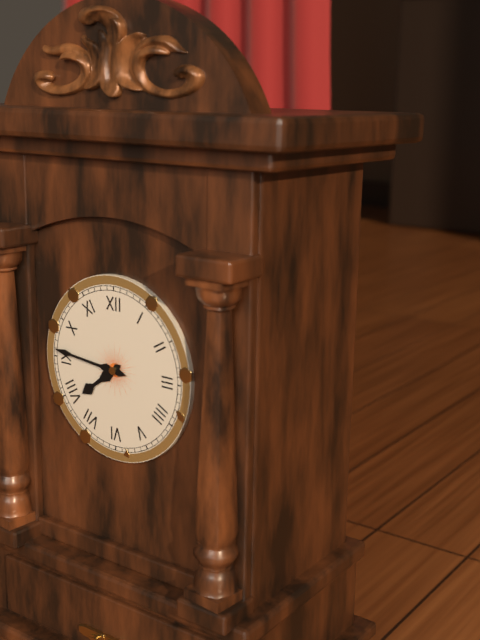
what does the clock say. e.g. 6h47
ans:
7h46
